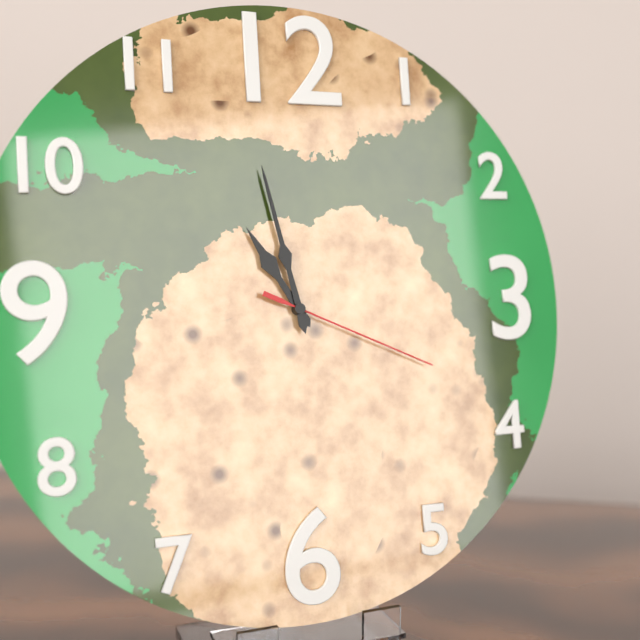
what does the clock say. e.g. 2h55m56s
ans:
10h58m19s
